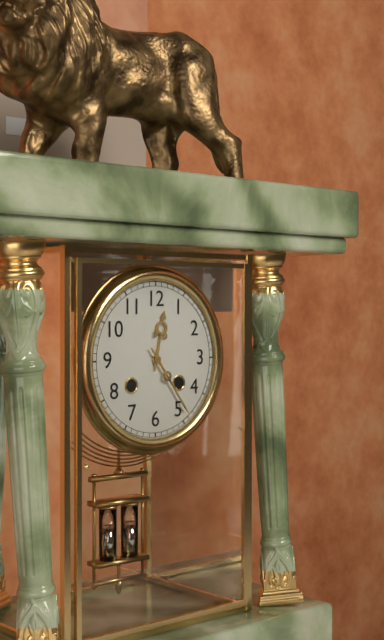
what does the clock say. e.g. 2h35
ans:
12h24
